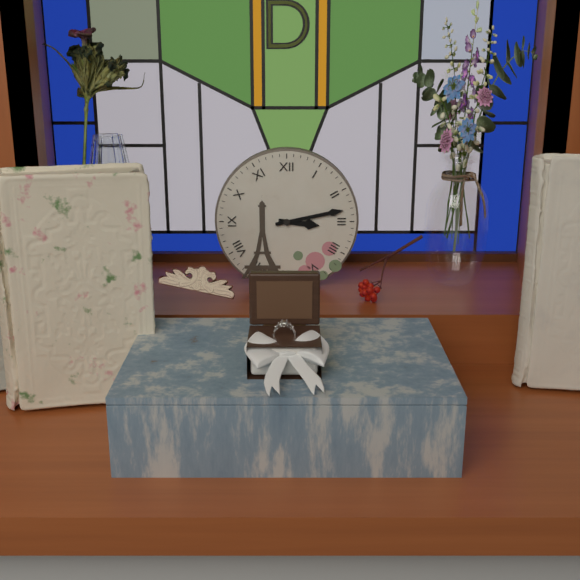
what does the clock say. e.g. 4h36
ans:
3h13
